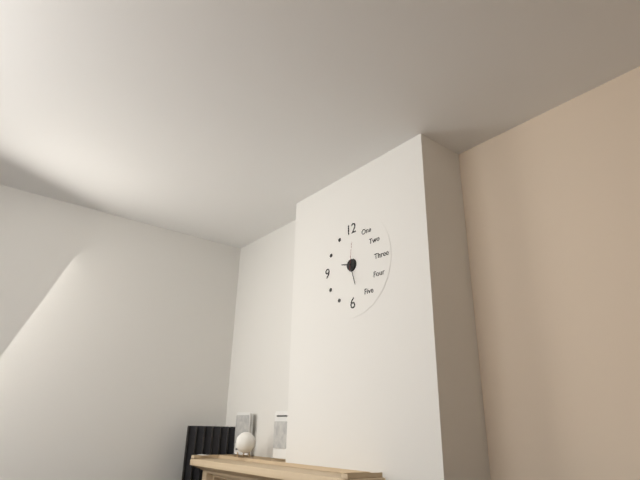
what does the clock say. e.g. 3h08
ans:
9h27
